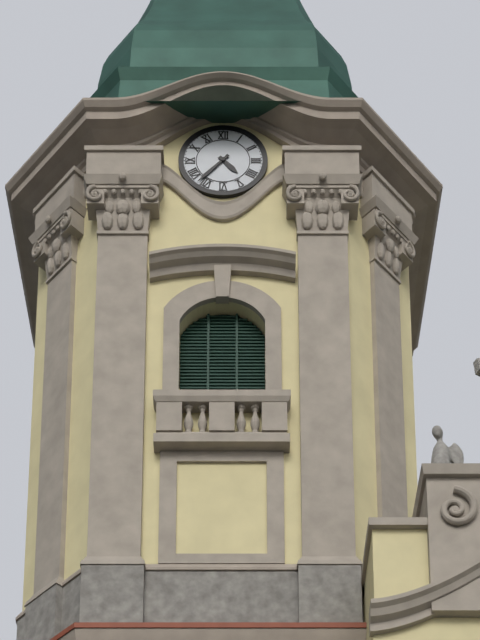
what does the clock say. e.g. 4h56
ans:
4h37
